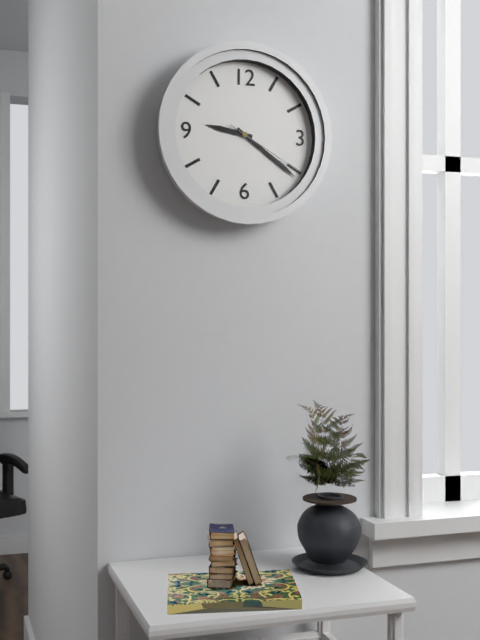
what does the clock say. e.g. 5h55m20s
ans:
9h21m20s
